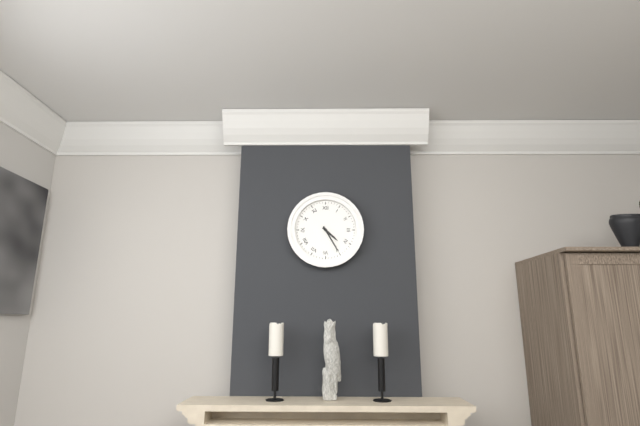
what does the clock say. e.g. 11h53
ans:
4h25
